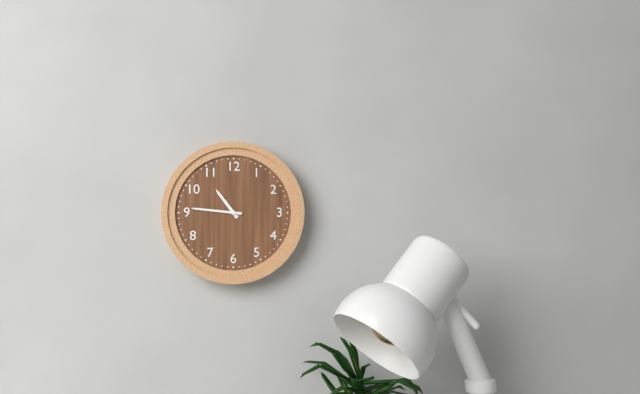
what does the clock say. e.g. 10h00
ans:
10h46
